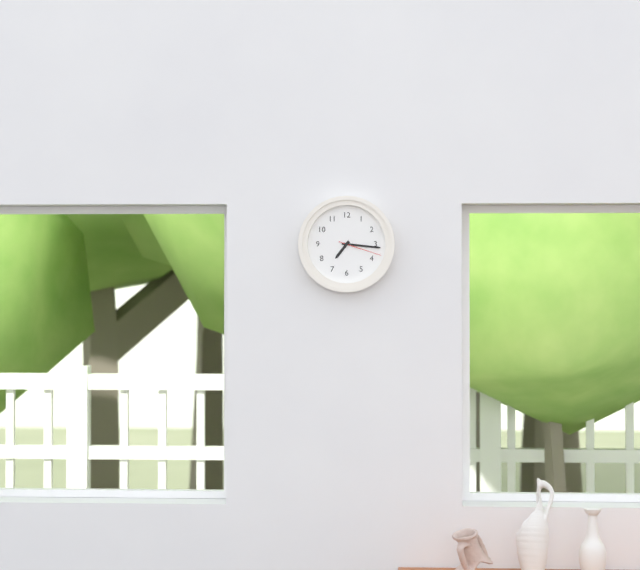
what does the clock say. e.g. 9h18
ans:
7h16
